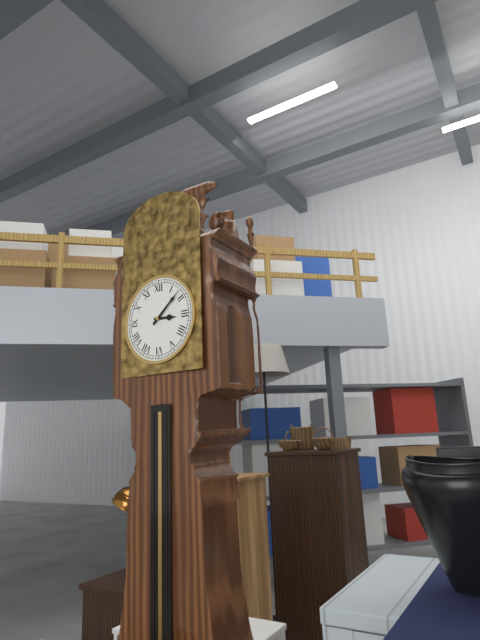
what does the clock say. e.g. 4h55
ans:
3h08
